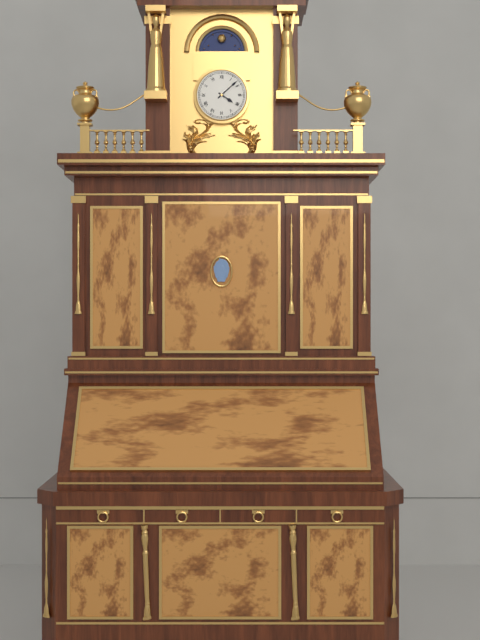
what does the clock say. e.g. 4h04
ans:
4h08
